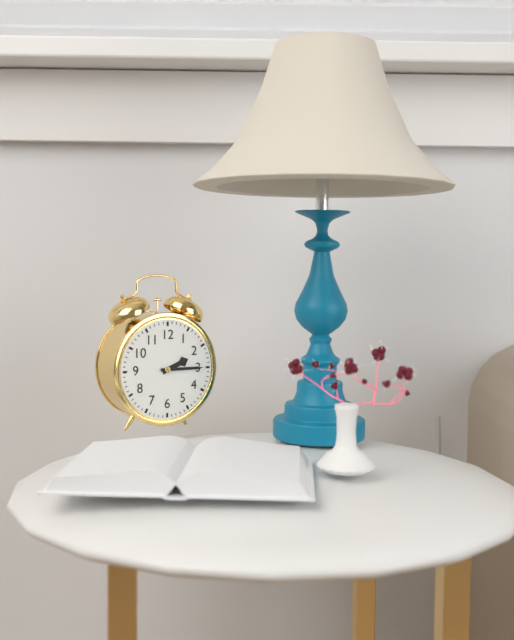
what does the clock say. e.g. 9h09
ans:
2h15
